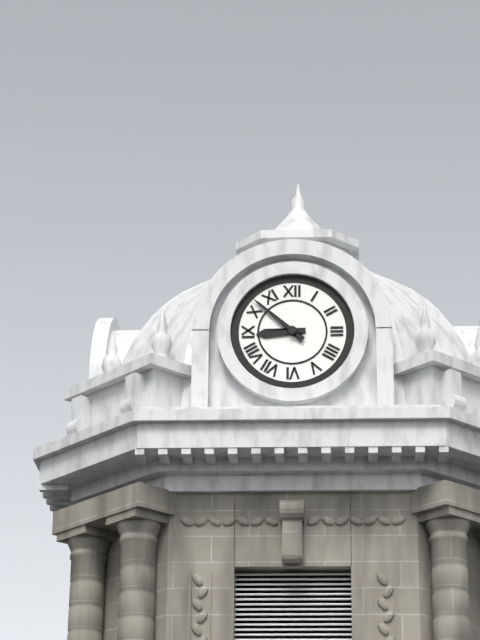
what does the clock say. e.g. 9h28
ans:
8h52
